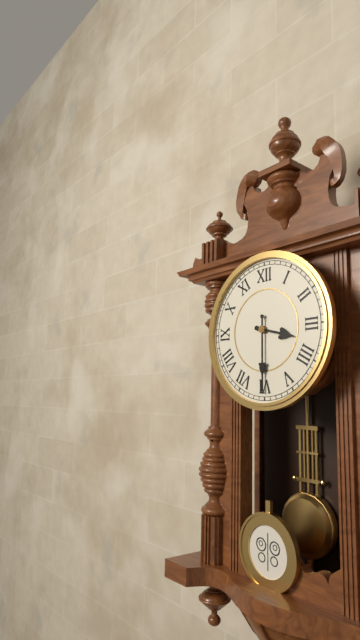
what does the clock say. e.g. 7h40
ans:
3h30
